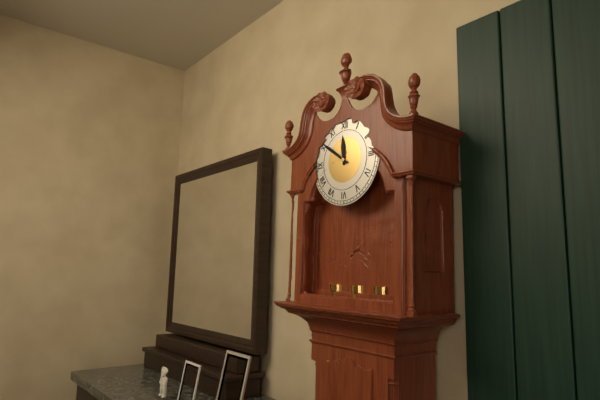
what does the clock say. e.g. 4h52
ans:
11h51
